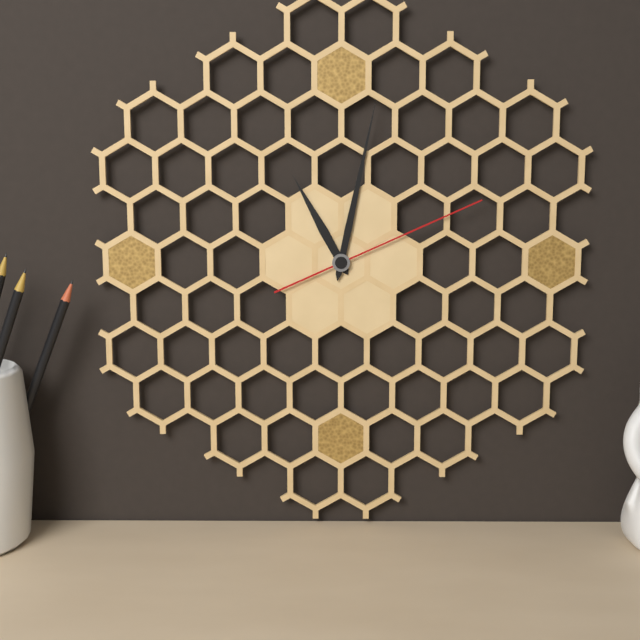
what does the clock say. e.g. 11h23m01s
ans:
11h02m11s
